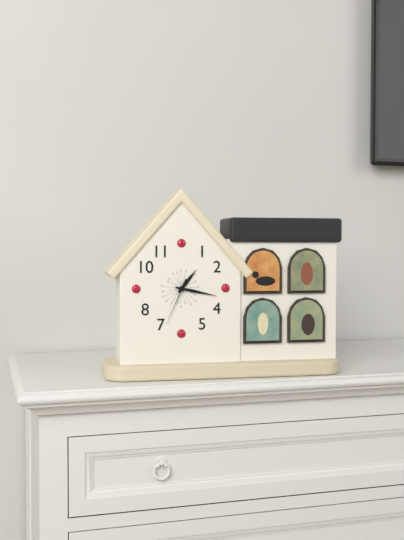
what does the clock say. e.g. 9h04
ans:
1h17
